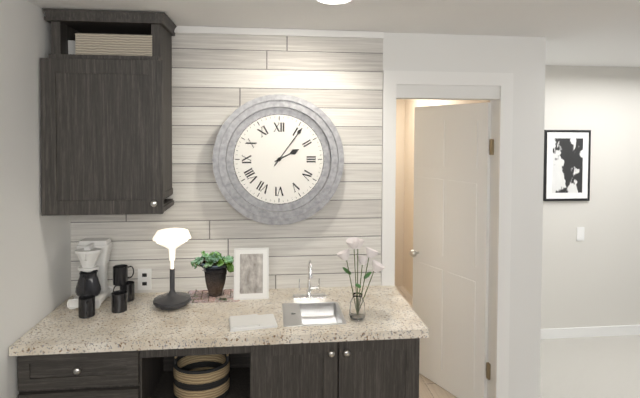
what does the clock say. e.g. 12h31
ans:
2h06
